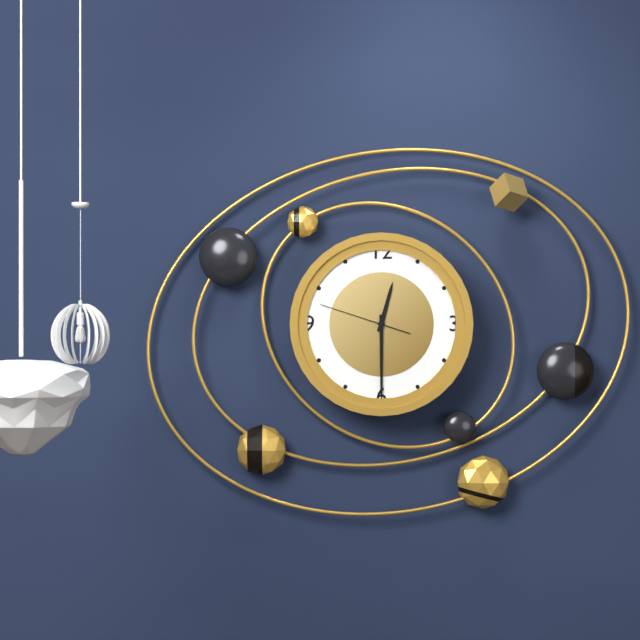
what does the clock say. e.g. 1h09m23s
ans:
12h30m48s
